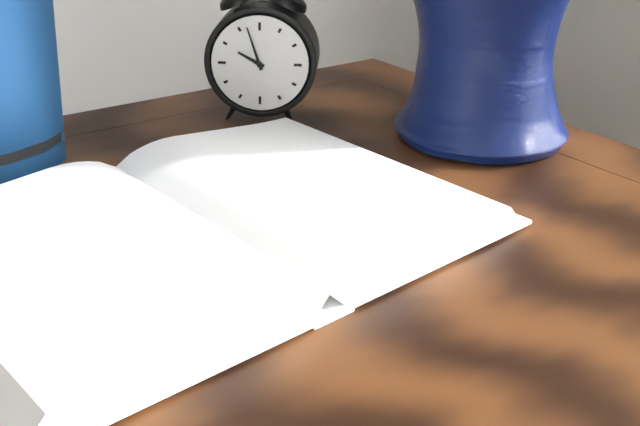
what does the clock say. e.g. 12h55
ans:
9h57
